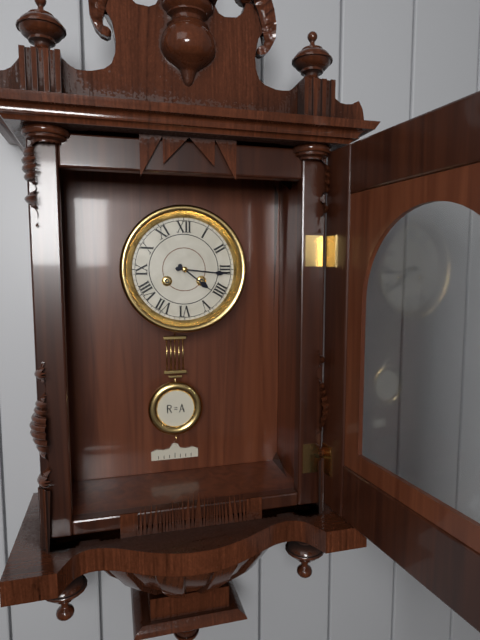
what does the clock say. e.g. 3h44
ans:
4h16
